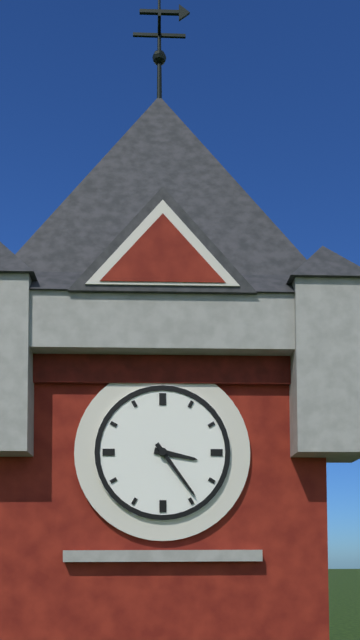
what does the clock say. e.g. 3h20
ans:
3h24
